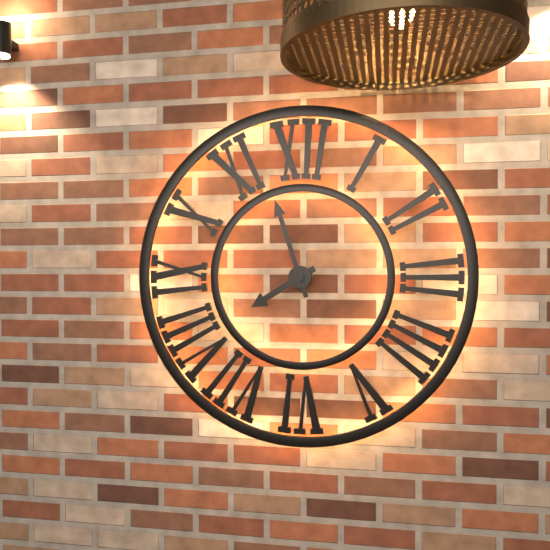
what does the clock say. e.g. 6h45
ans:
7h57
